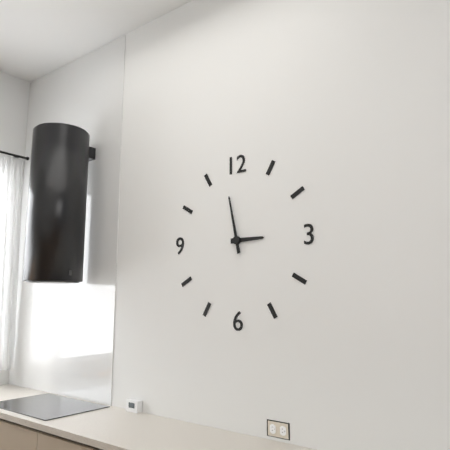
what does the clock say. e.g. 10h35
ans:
2h58
